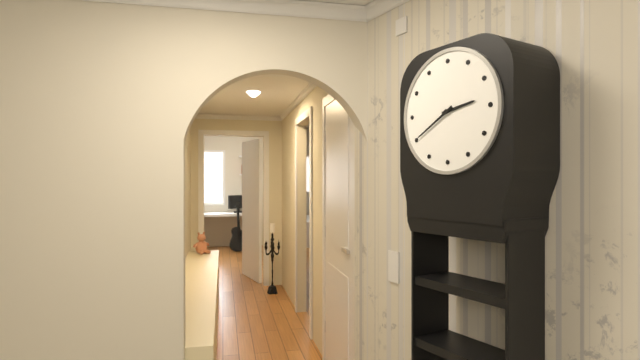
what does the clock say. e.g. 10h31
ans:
2h40
